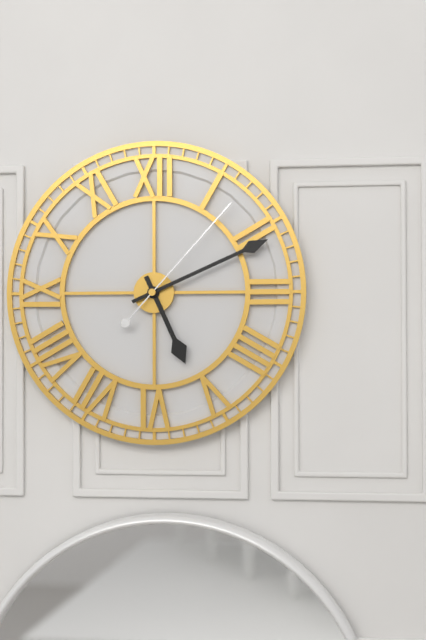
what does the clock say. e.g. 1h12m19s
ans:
5h11m07s
